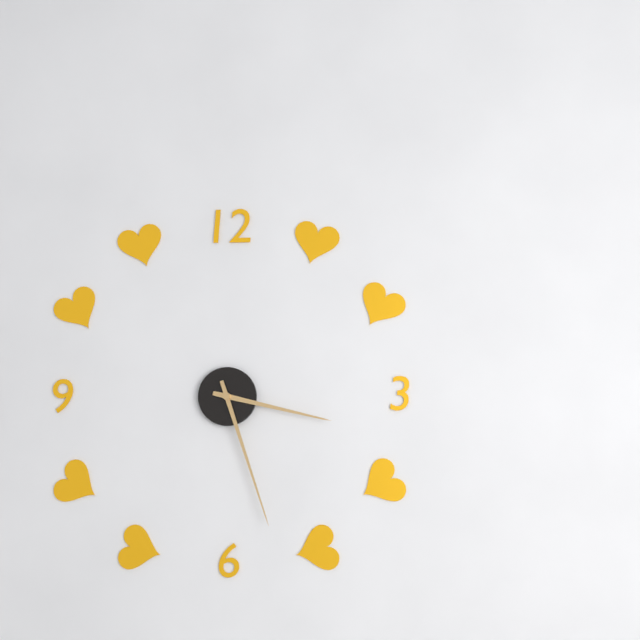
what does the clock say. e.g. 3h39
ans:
3h27
